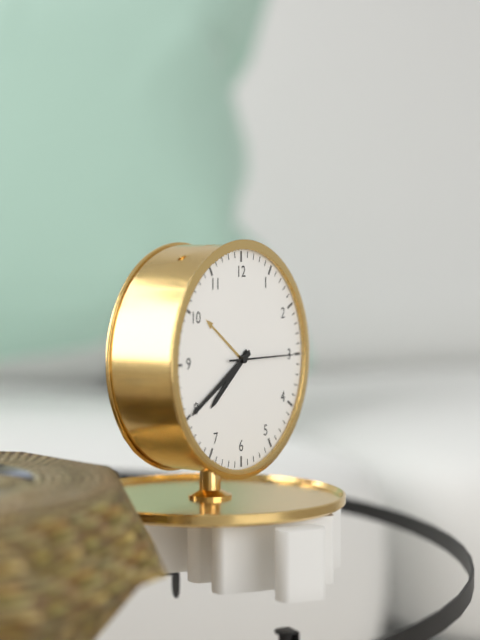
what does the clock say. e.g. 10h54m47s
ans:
7h40m15s
